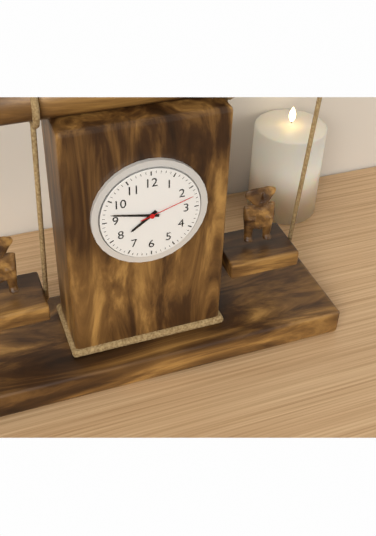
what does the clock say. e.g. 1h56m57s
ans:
7h47m12s
